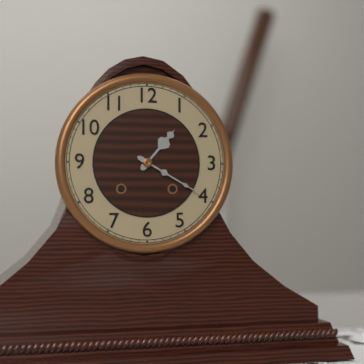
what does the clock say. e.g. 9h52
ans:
1h20
